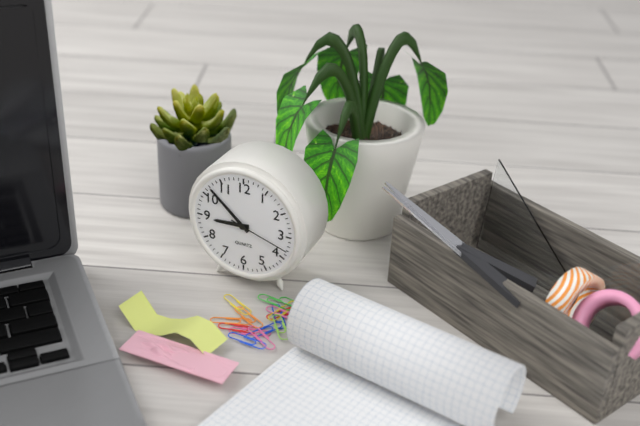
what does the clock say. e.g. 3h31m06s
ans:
8h52m18s
